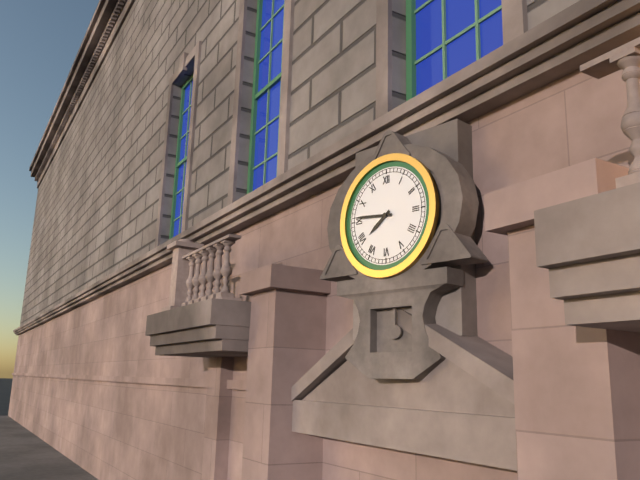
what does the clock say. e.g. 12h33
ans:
7h46
